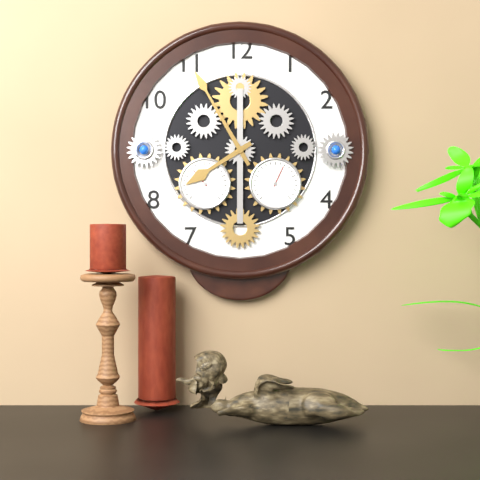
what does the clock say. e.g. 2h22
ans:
7h55
